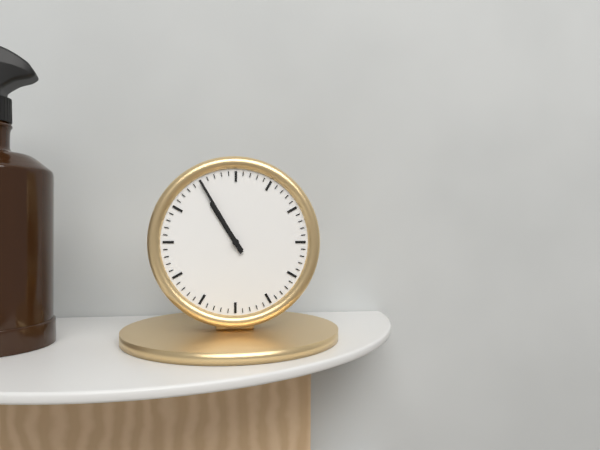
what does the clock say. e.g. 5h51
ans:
10h55
